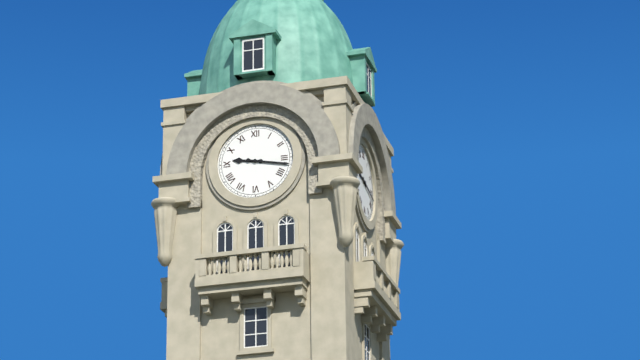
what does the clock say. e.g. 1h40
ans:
9h17
